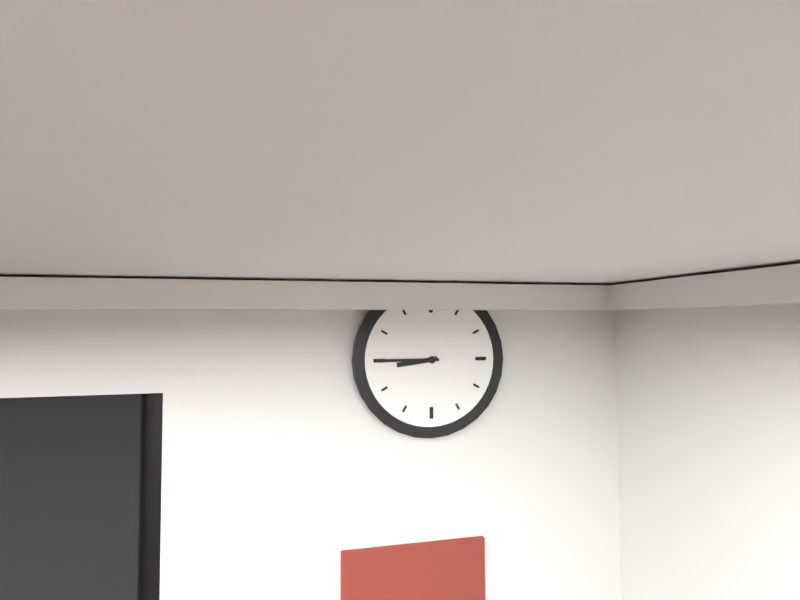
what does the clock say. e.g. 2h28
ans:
8h45
